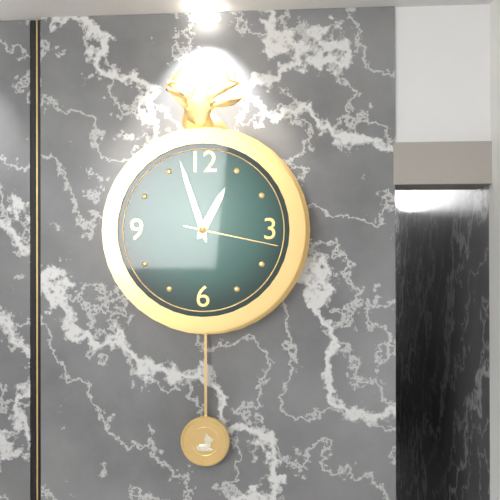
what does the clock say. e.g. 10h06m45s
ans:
12h57m17s
